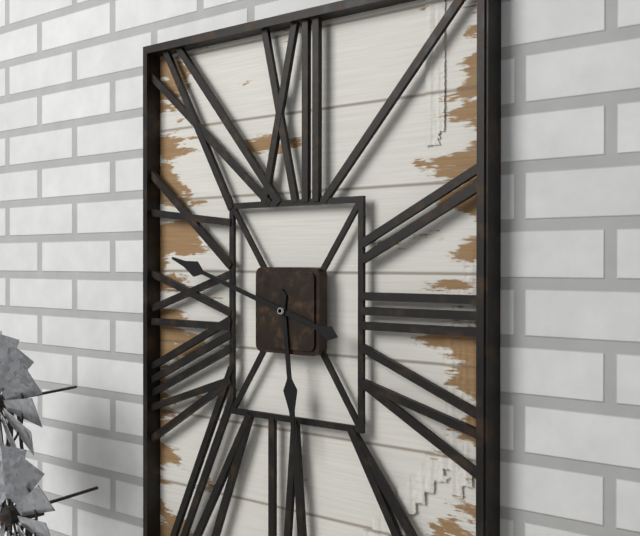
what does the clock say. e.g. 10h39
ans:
5h48
